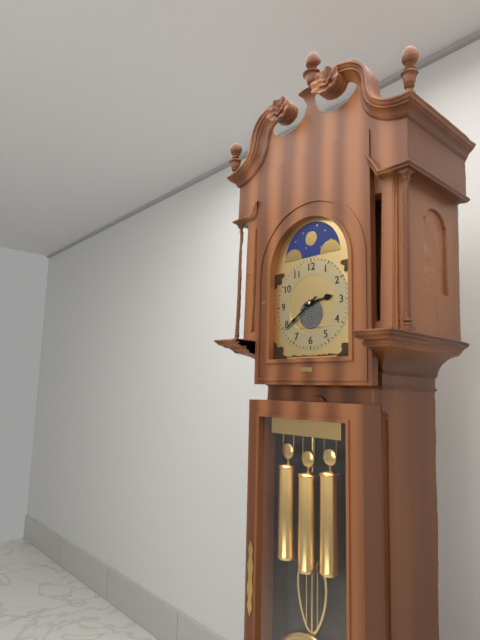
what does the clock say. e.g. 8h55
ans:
2h39
